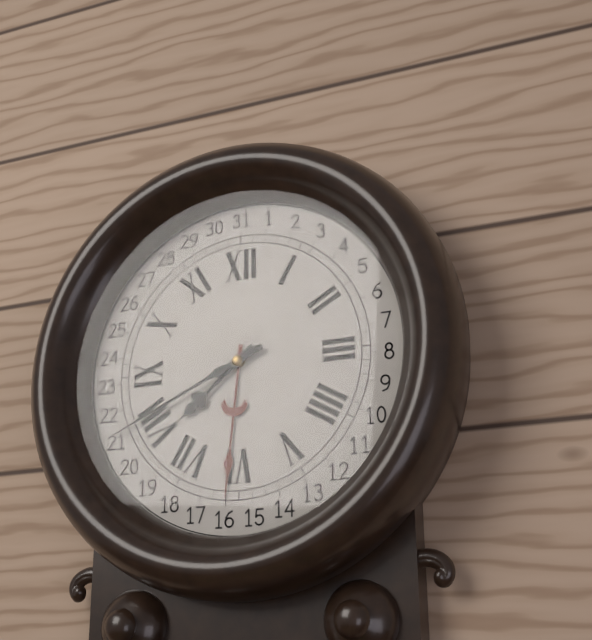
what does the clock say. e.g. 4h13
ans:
7h41
